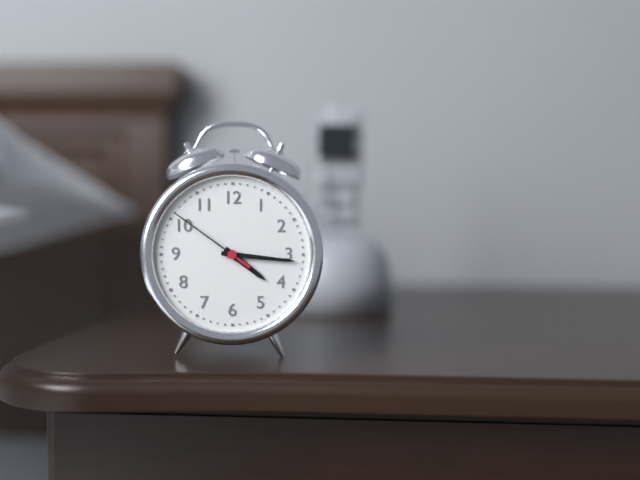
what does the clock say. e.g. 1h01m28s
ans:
4h16m51s
